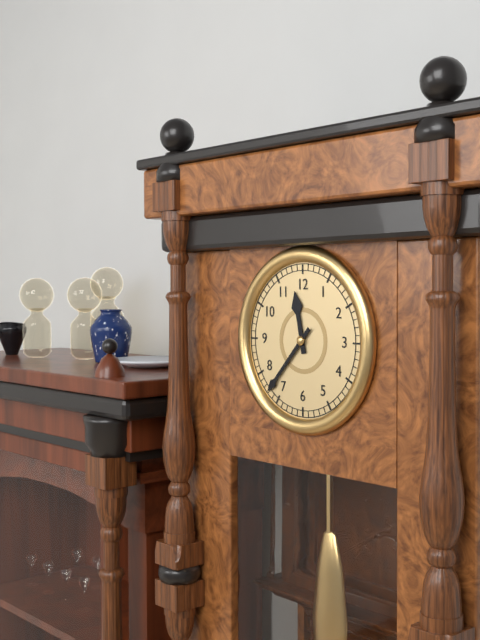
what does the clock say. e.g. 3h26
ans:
11h37
